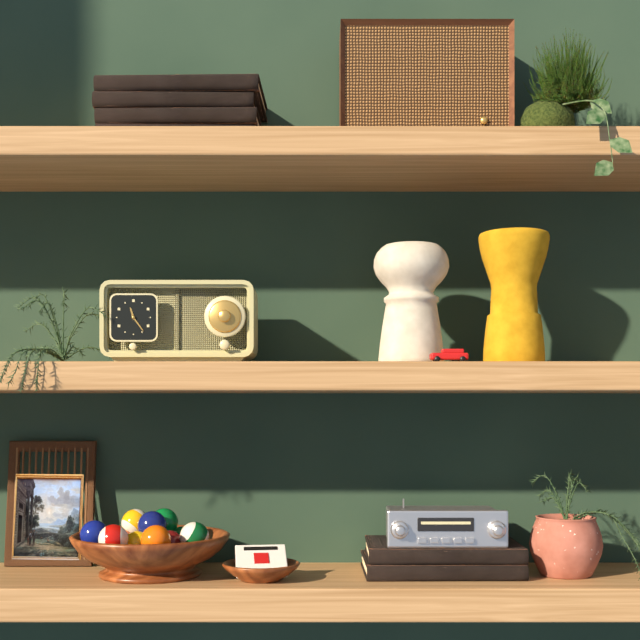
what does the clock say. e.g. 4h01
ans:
11h24
